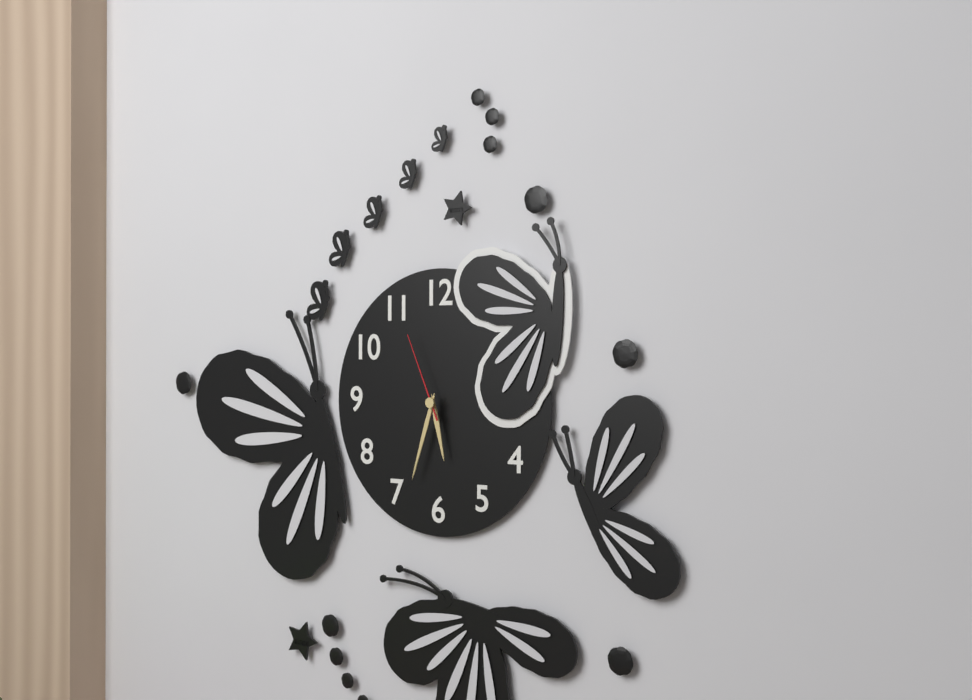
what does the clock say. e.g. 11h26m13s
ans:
5h33m56s
